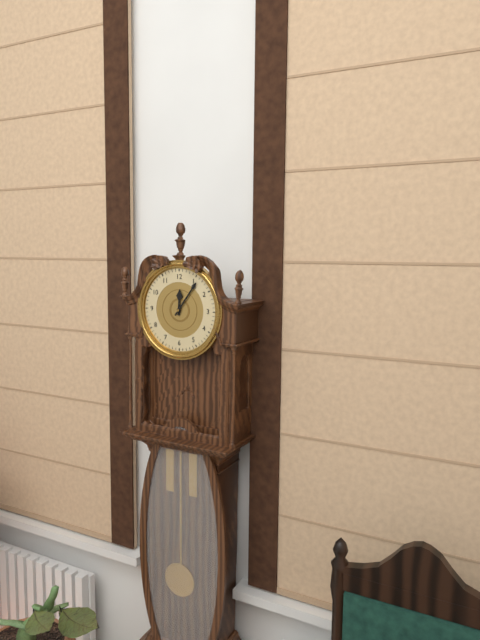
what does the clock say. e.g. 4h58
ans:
12h06
